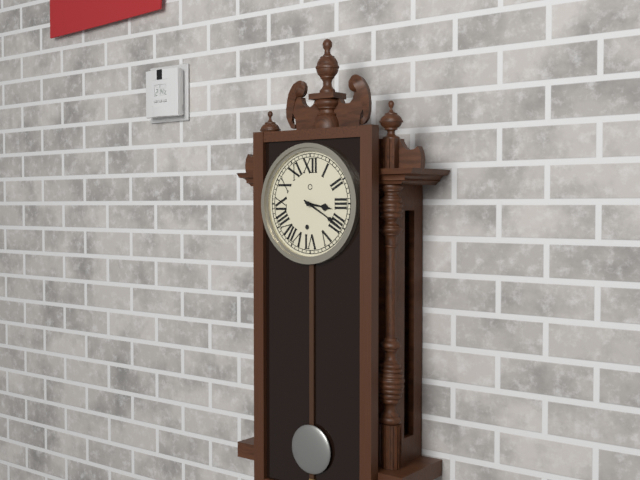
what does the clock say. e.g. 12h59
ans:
3h20
